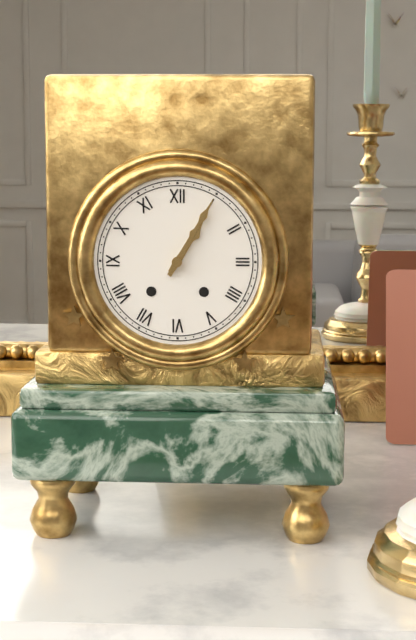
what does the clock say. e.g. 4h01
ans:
1h05
